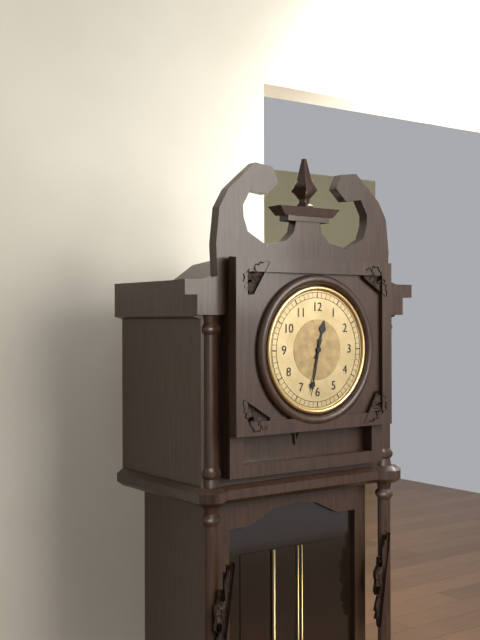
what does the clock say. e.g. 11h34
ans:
12h32
